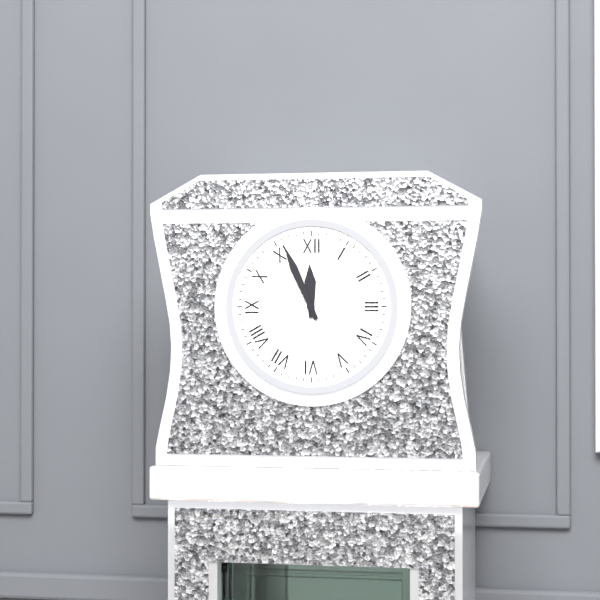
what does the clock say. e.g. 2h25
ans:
11h56
